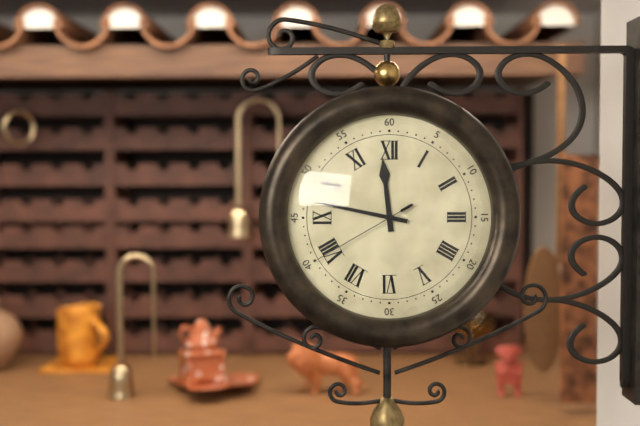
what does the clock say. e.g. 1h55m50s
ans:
11h47m40s
